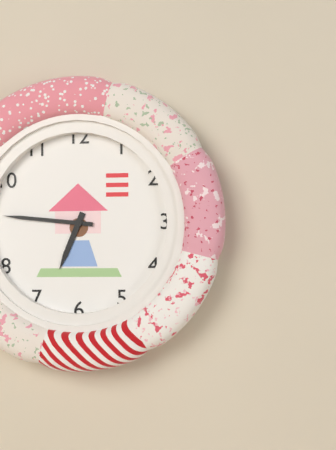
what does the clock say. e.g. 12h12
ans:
6h46
